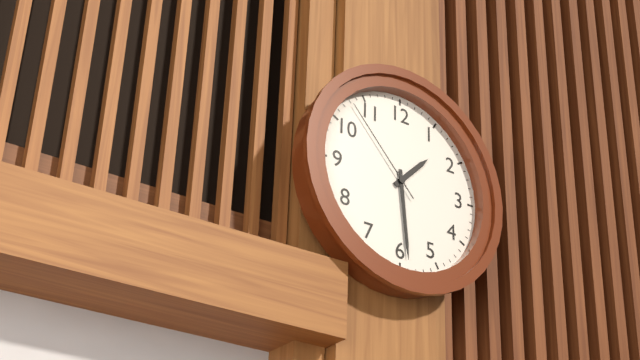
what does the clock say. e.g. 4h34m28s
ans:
1h29m53s
